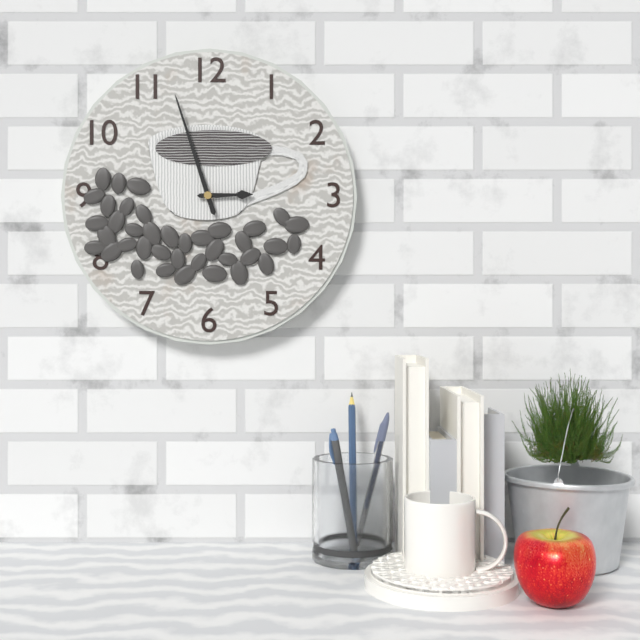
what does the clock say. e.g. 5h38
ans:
2h57
